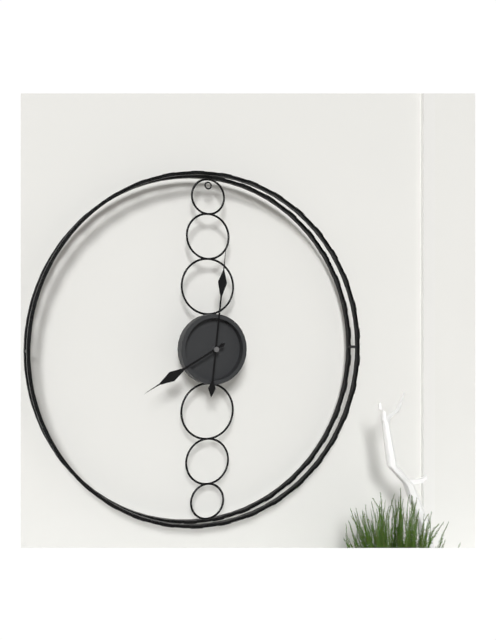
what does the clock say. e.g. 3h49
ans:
8h01
